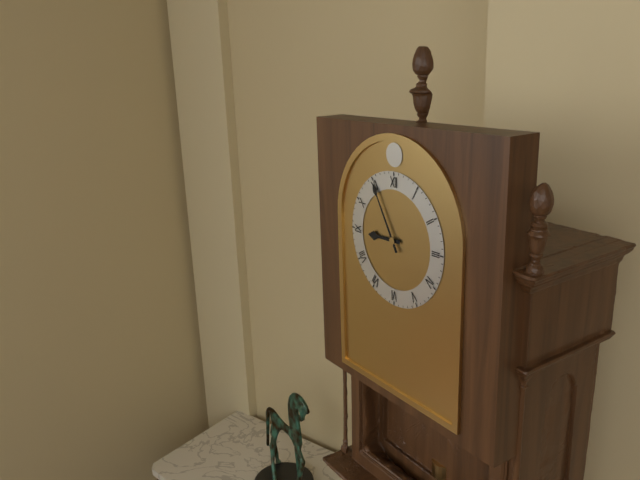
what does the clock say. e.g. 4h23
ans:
8h55
